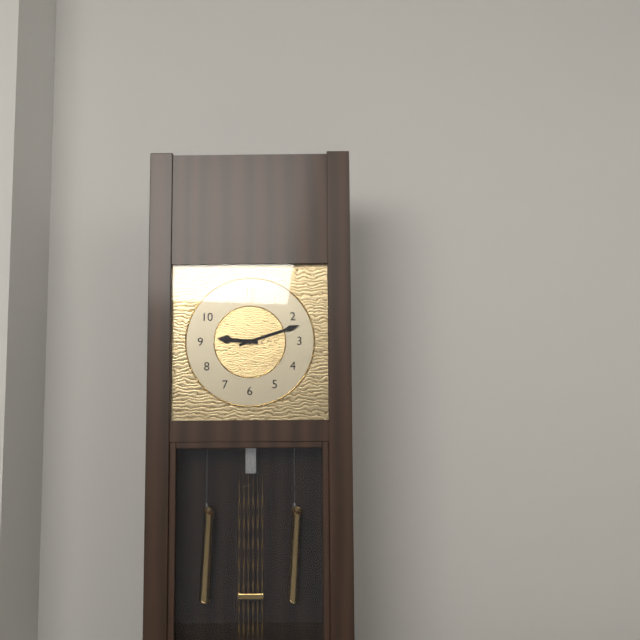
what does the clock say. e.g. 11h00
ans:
9h12
